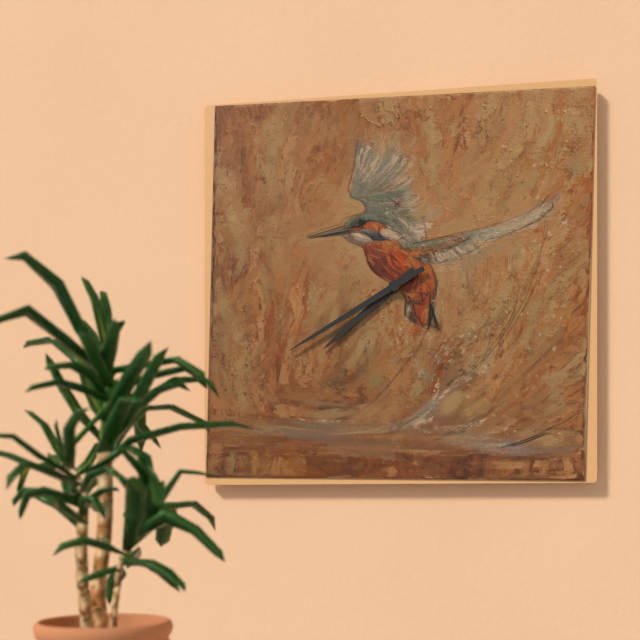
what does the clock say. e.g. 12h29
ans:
7h40
